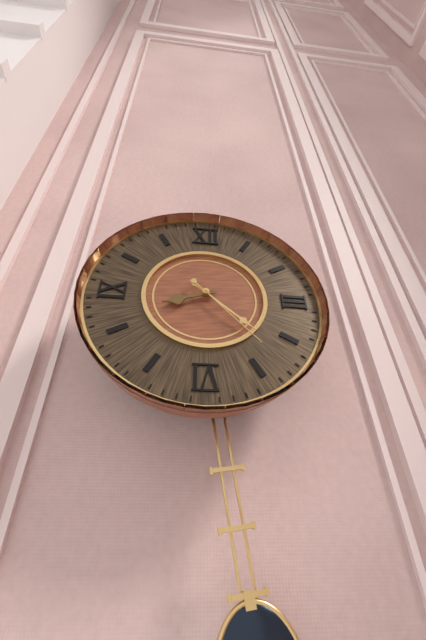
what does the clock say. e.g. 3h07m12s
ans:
8h22m23s
